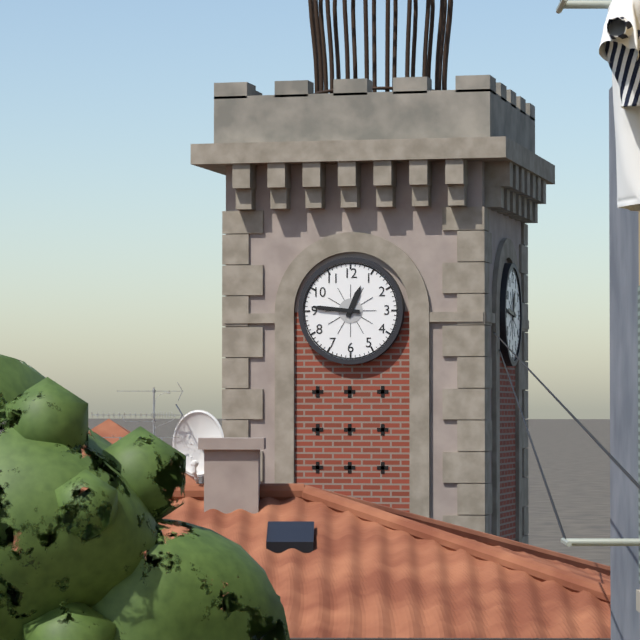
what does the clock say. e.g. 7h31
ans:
12h46
